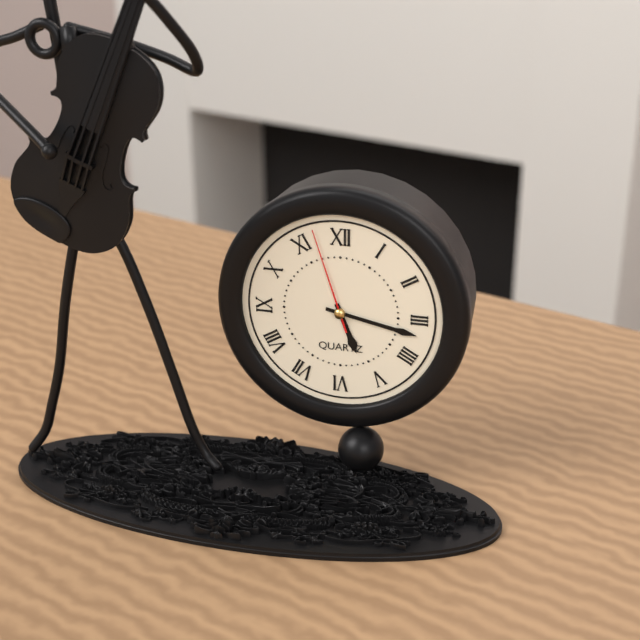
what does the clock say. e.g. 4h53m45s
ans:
5h17m57s
